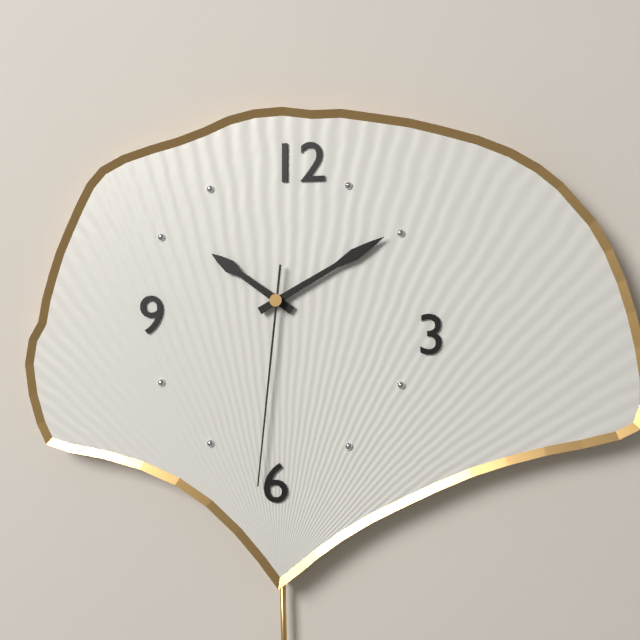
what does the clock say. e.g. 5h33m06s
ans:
10h10m31s
